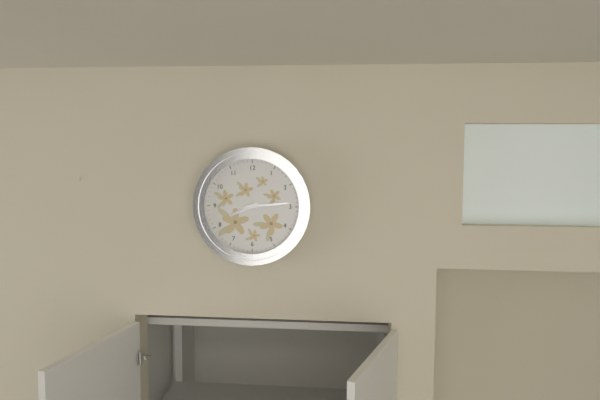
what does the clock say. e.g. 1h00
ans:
8h14
